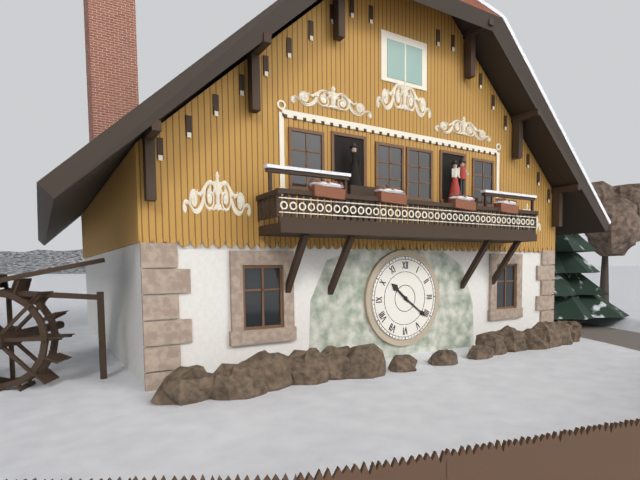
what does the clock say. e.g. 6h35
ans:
10h21
